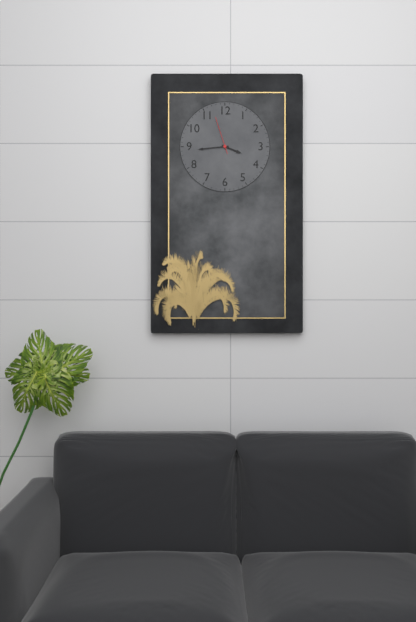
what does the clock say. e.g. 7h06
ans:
3h44
